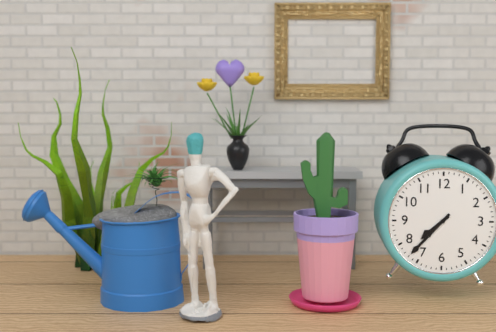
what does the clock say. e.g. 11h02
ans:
7h37
